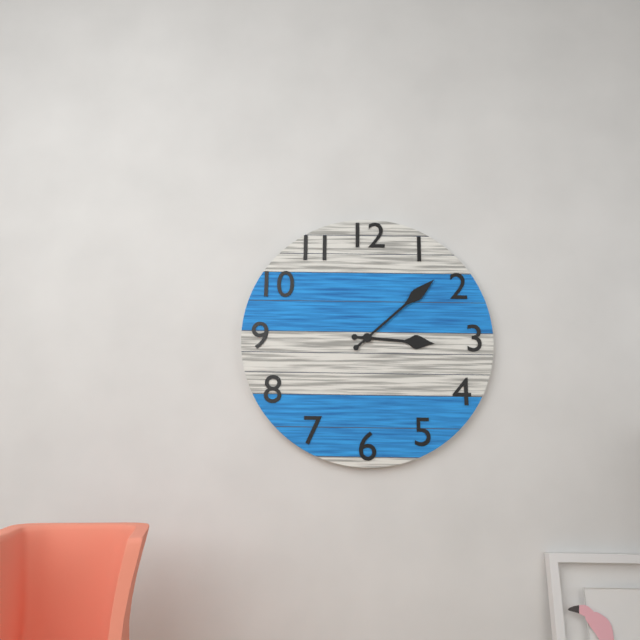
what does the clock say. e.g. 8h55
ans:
3h08
